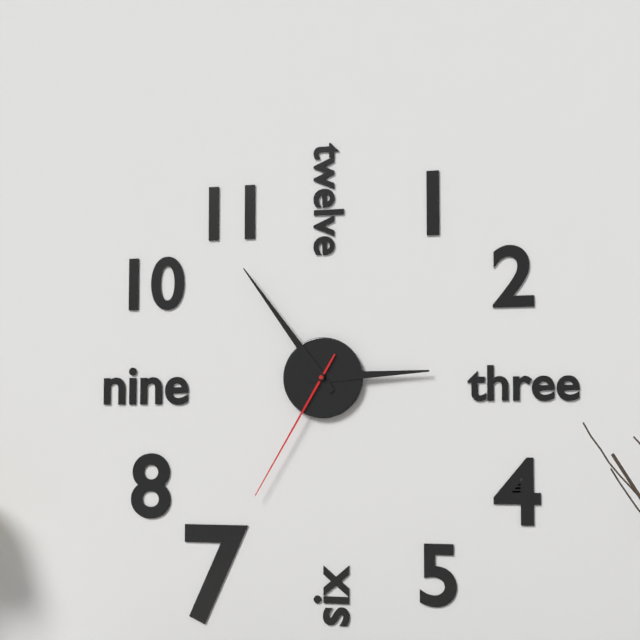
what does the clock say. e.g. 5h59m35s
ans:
2h54m35s
